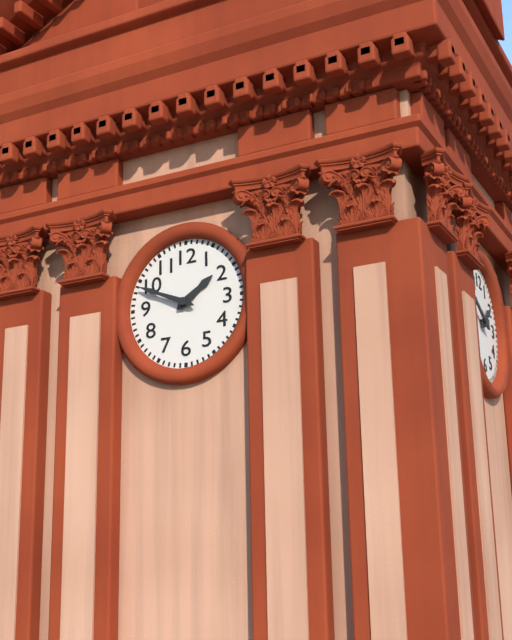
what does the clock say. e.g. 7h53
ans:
1h49
